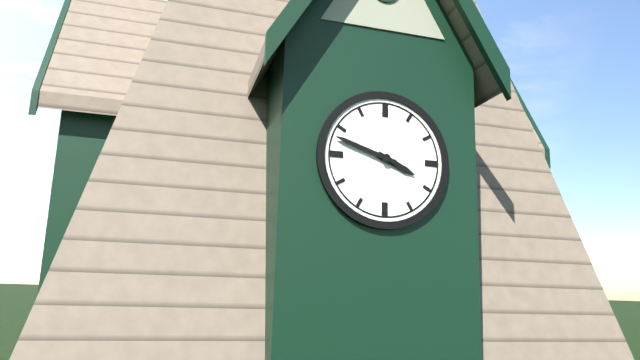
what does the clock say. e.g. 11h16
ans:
3h48
